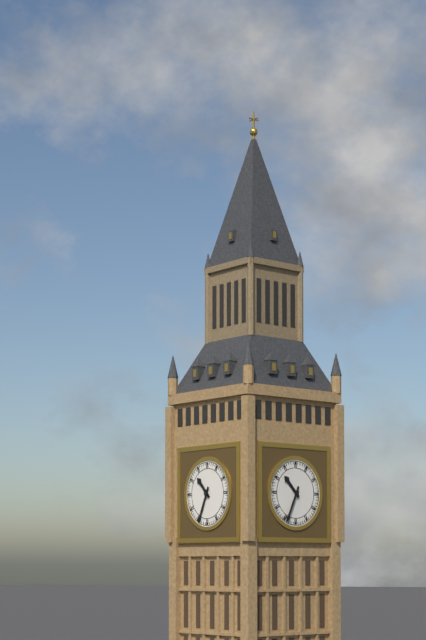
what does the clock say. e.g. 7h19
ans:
10h34
